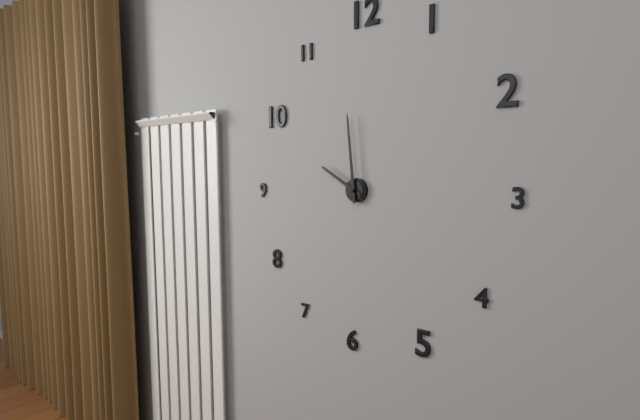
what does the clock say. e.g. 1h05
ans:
9h59
